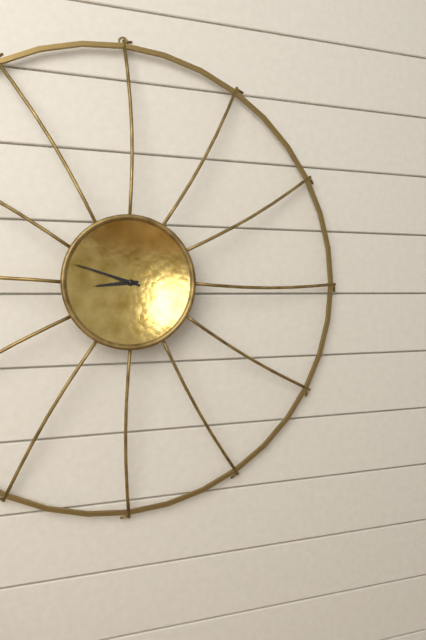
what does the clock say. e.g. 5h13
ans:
8h48
